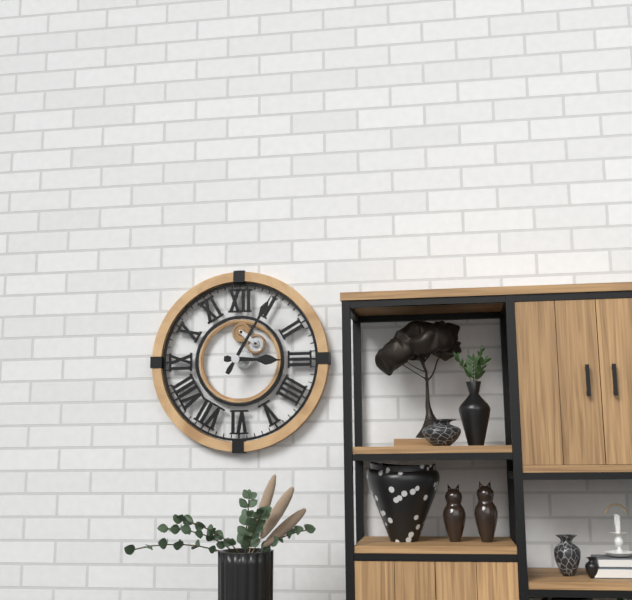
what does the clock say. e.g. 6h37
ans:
3h05
